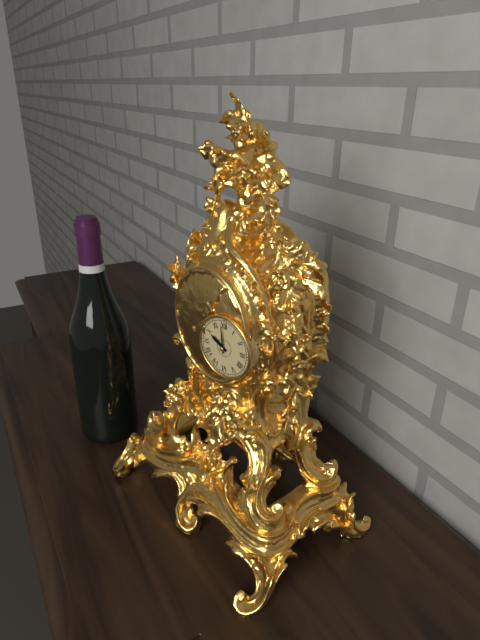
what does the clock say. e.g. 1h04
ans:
9h59
